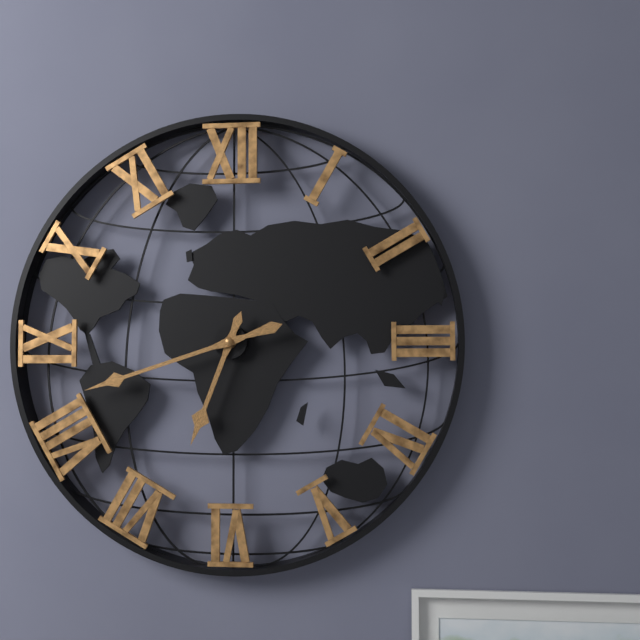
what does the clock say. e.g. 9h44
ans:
6h42
